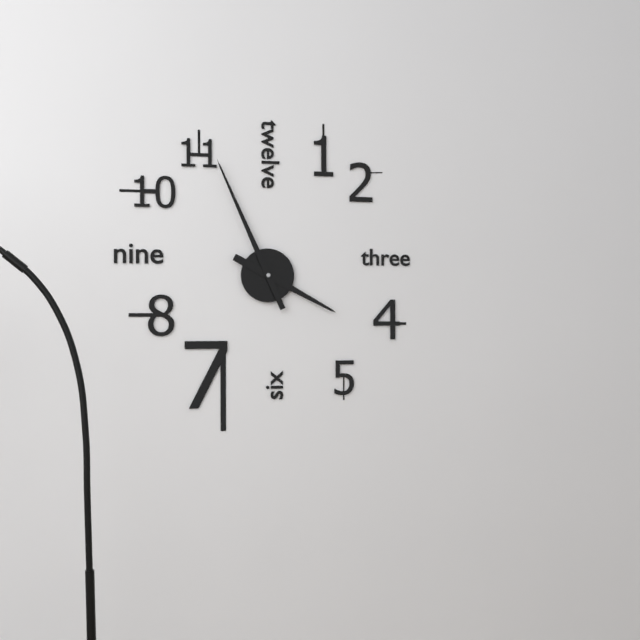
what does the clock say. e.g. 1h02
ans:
3h56
